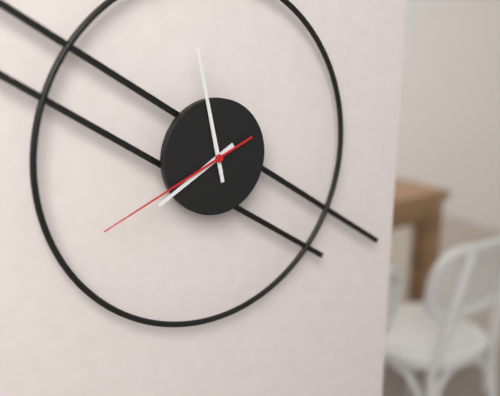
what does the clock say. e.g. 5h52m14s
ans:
7h58m41s
